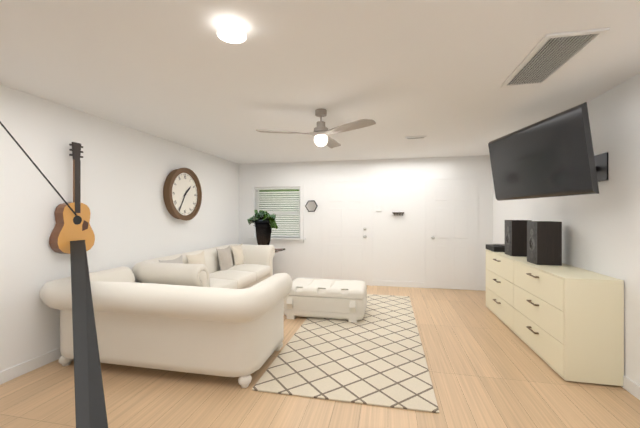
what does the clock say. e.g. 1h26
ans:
1h35
